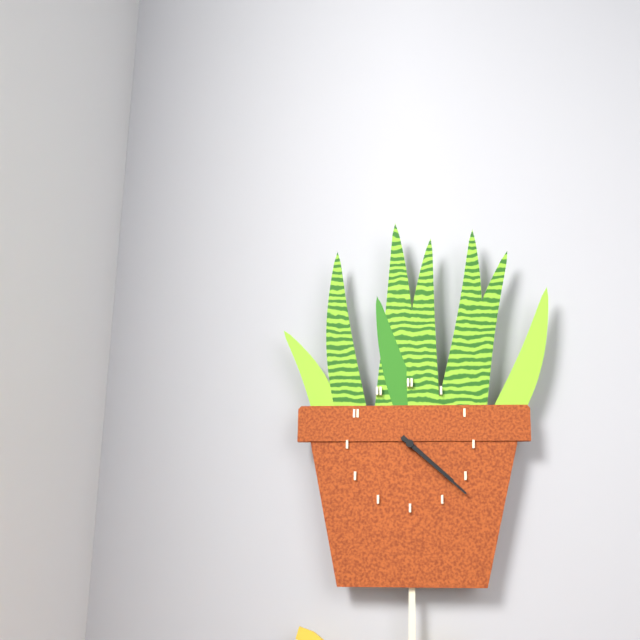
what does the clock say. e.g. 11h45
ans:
4h22
